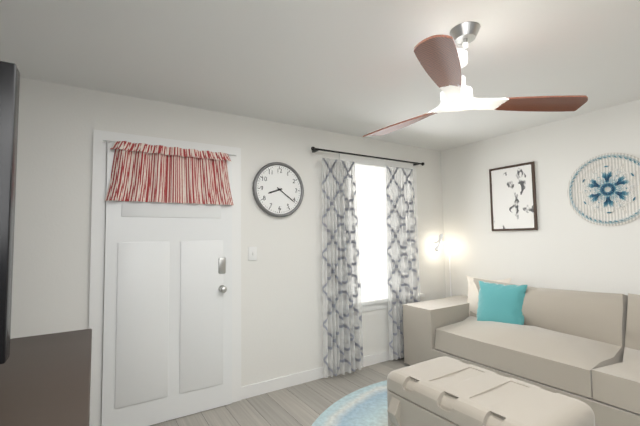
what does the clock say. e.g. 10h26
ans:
8h21
